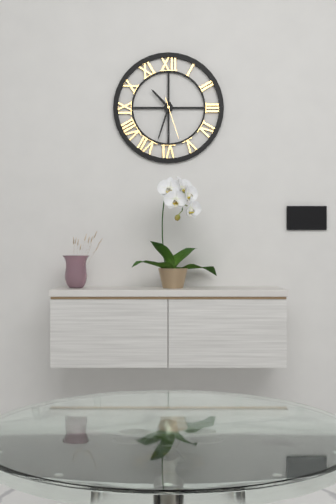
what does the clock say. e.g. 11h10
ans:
10h33
